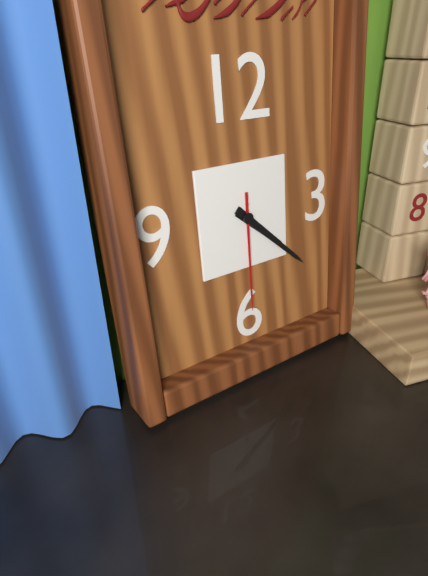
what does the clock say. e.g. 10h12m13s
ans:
4h22m30s
